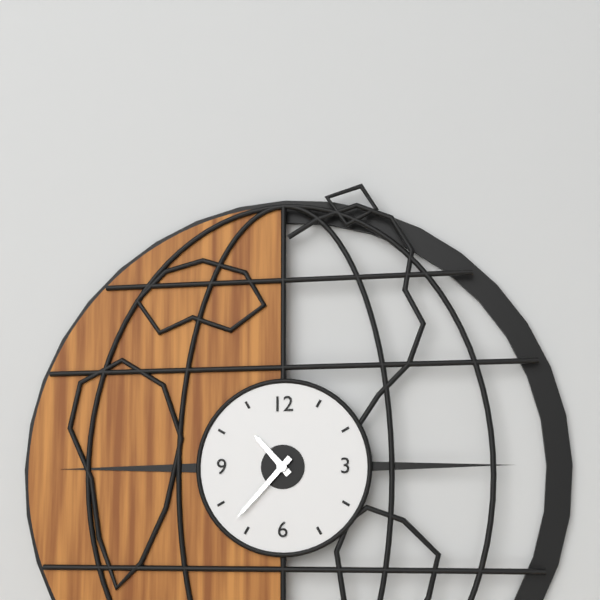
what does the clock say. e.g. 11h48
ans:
10h37
